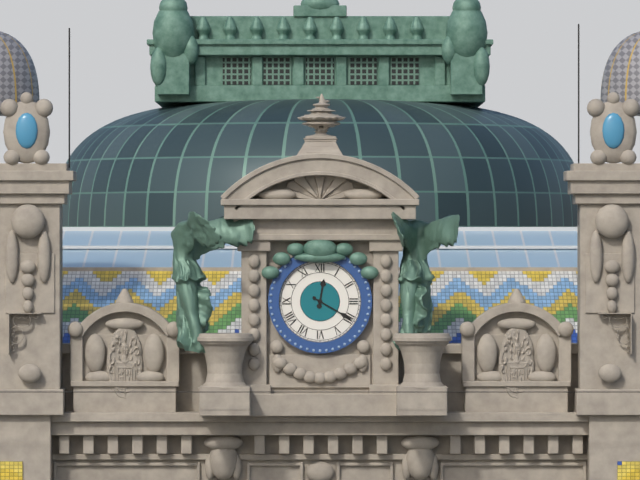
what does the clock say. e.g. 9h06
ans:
12h20
